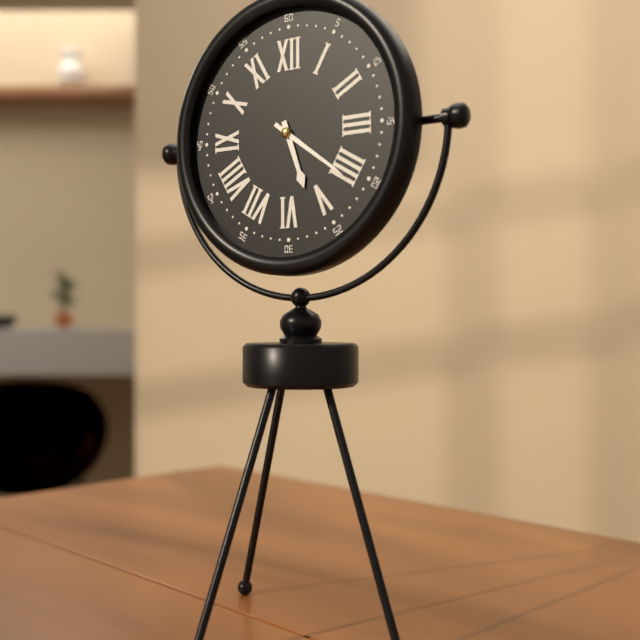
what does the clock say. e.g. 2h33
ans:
5h21
